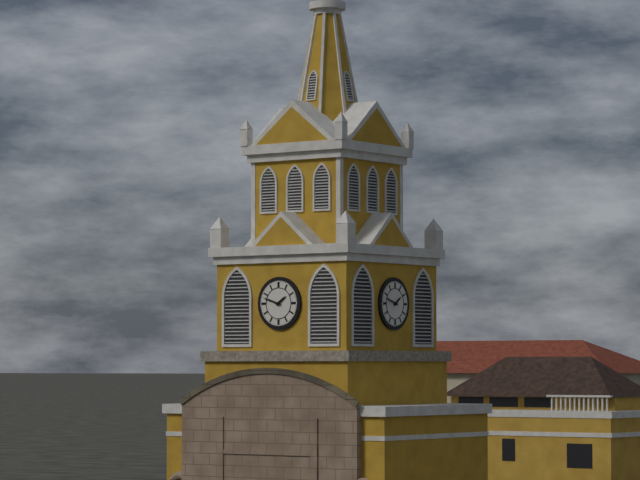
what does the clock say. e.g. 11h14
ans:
1h48
